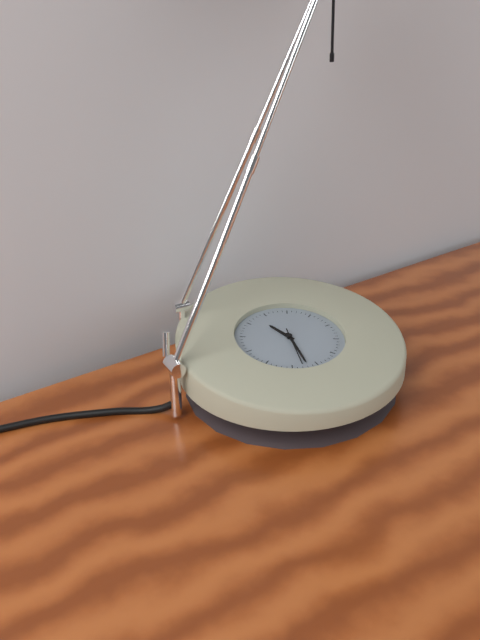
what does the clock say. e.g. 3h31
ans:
11h32
